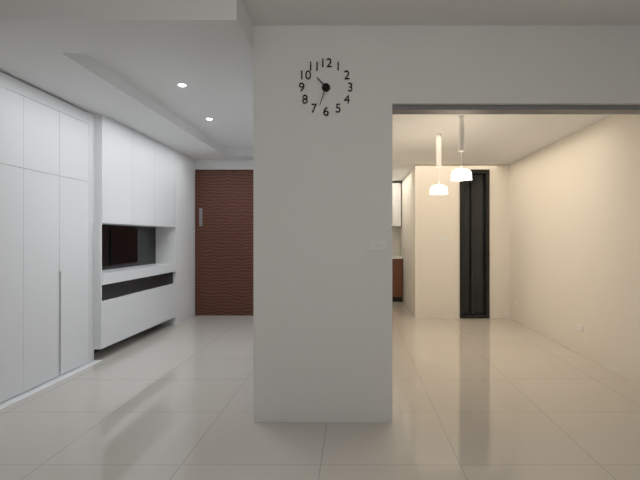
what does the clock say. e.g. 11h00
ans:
10h33
